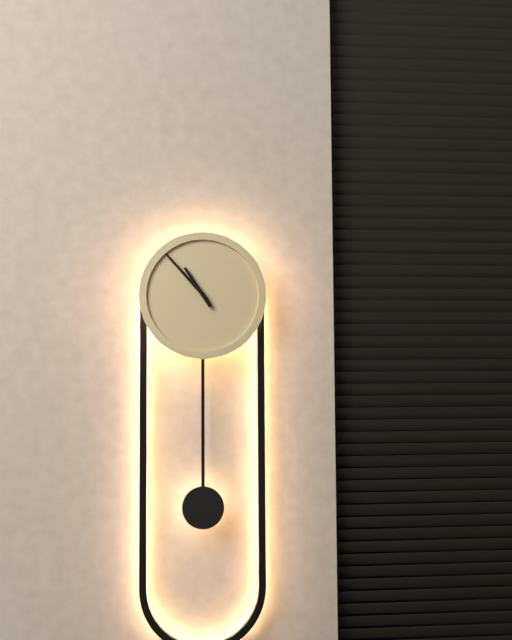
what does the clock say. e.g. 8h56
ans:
10h53
